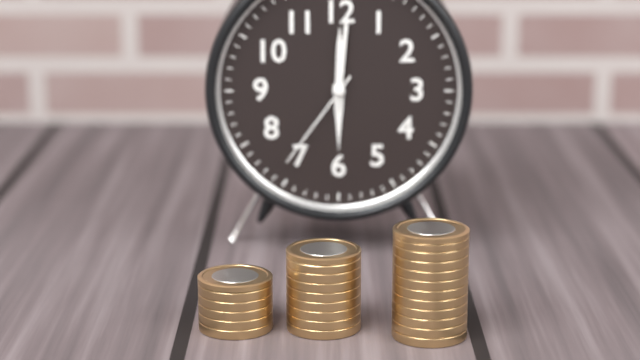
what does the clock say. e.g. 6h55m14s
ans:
12h01m36s
